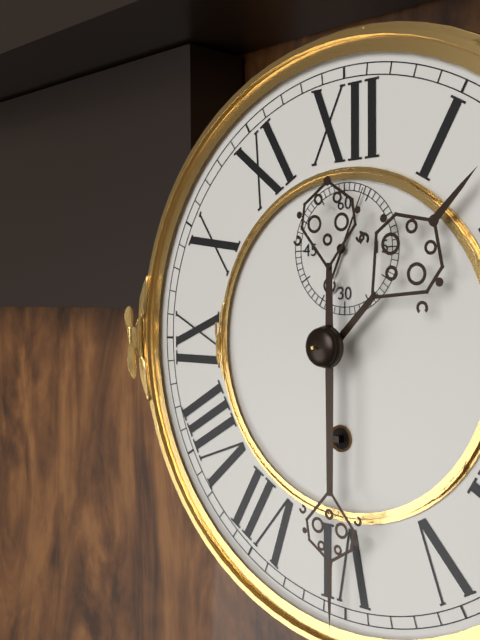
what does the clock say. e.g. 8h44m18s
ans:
1h30m04s
